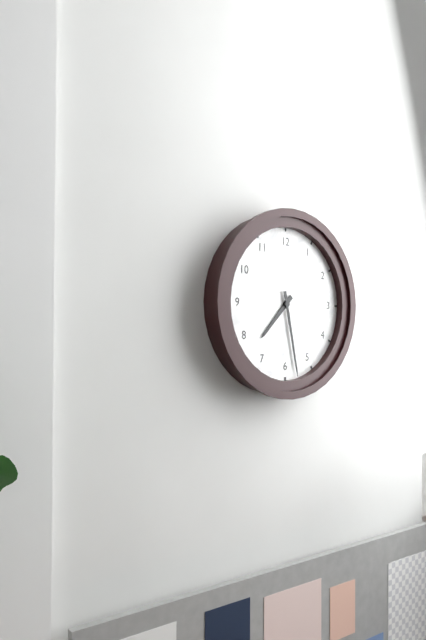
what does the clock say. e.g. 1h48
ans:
7h28
